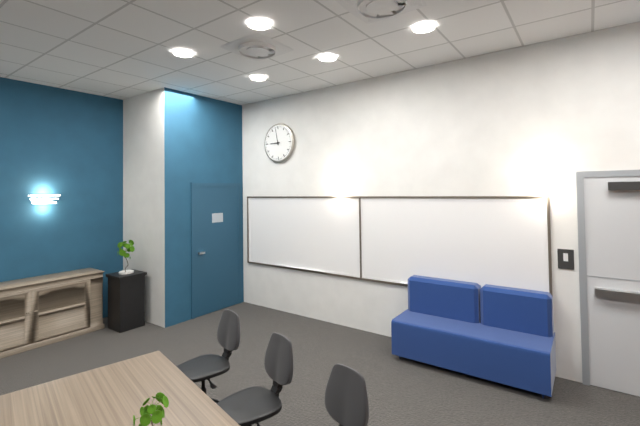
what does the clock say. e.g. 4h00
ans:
8h58
